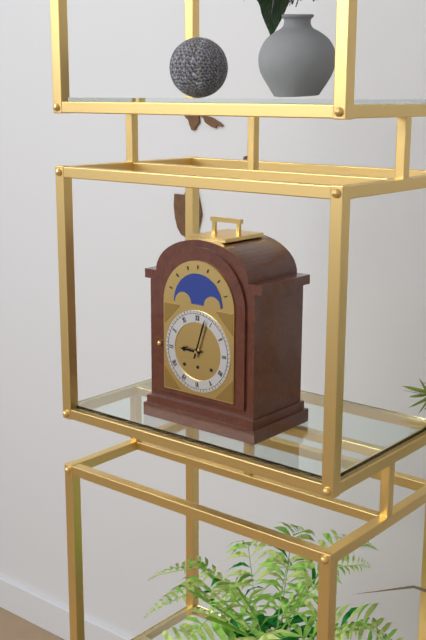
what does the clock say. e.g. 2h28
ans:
9h03
